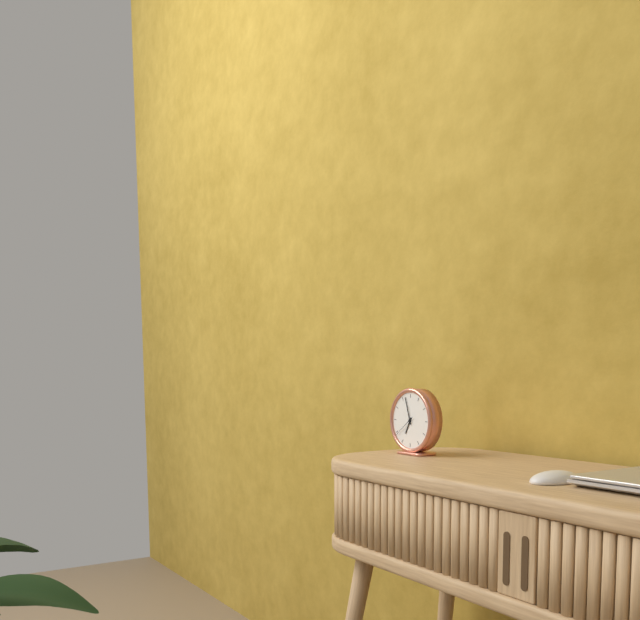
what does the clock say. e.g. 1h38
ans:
6h57
